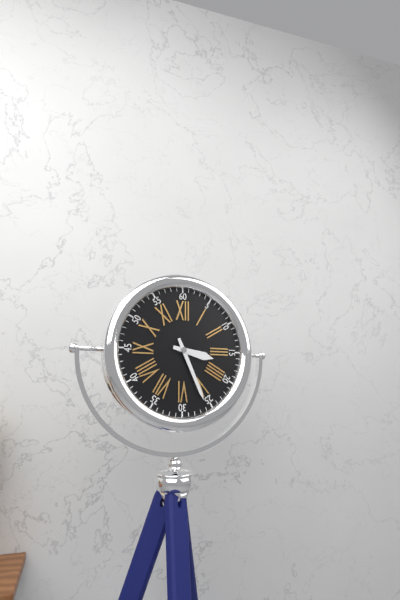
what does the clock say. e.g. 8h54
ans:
3h26
